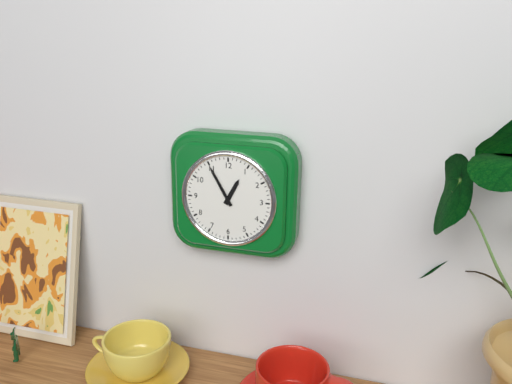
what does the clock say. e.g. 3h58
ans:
12h55
